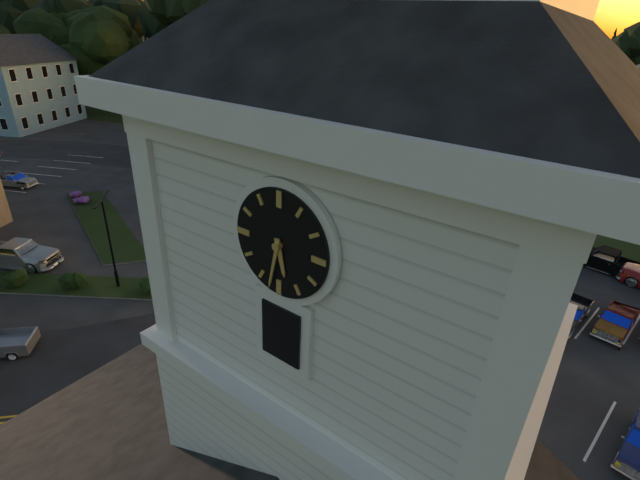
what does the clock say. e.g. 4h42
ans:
5h32
